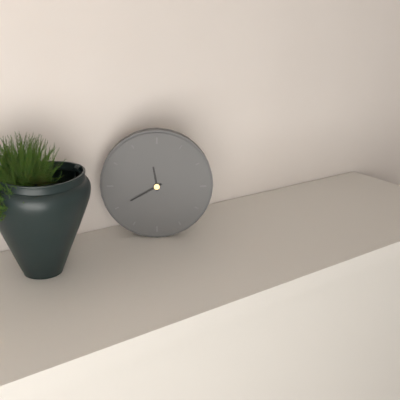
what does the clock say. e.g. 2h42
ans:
11h40
